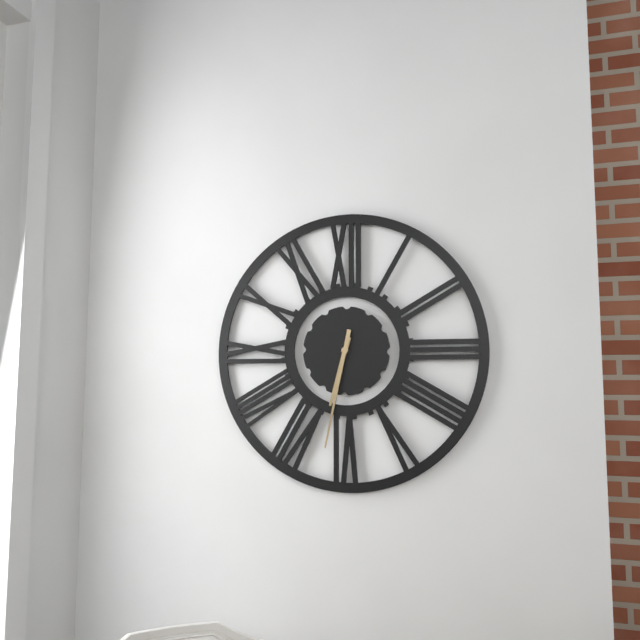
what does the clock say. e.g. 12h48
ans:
6h32
